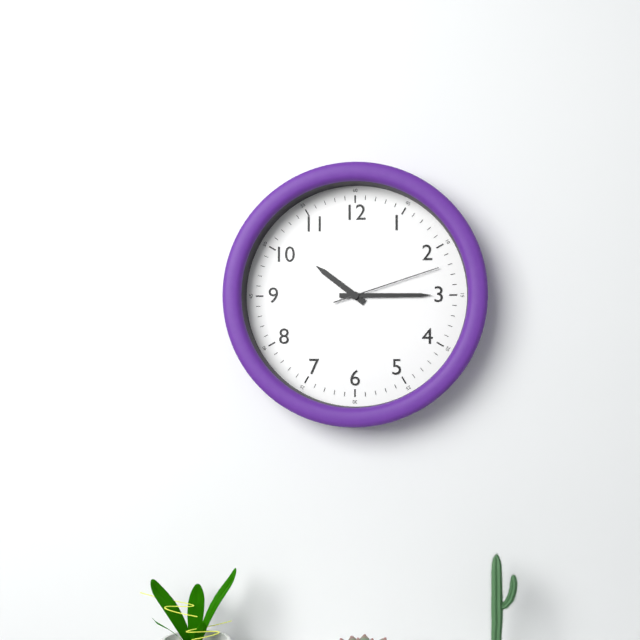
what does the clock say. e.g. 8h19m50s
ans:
10h15m12s
